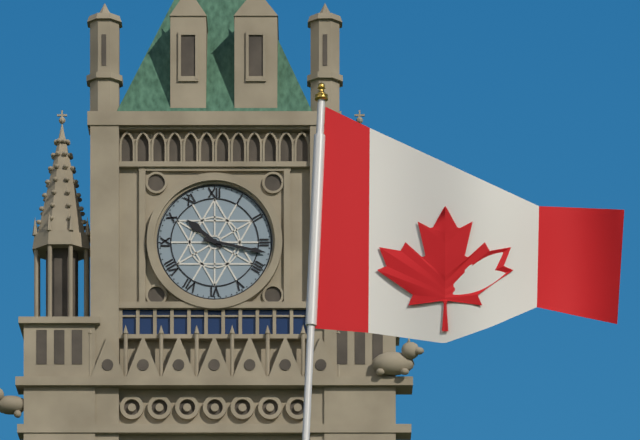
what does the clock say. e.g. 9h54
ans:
10h17
